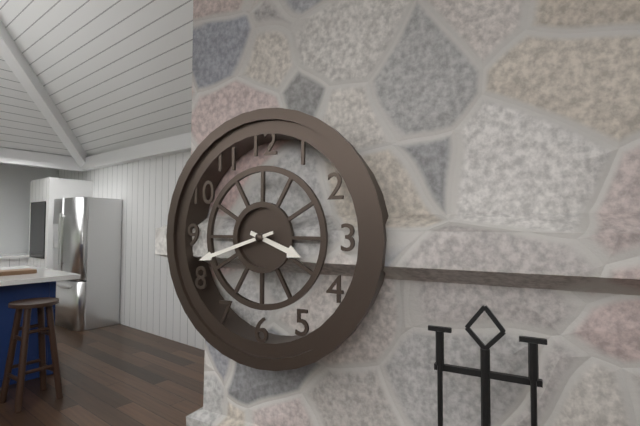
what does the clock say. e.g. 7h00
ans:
3h42
